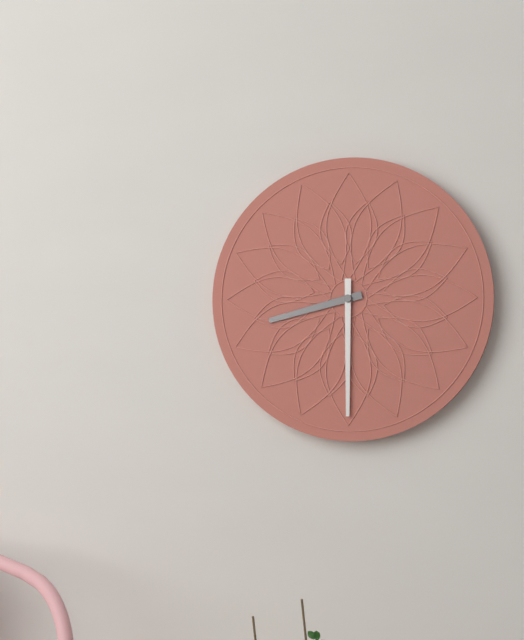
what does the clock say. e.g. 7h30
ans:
8h30
